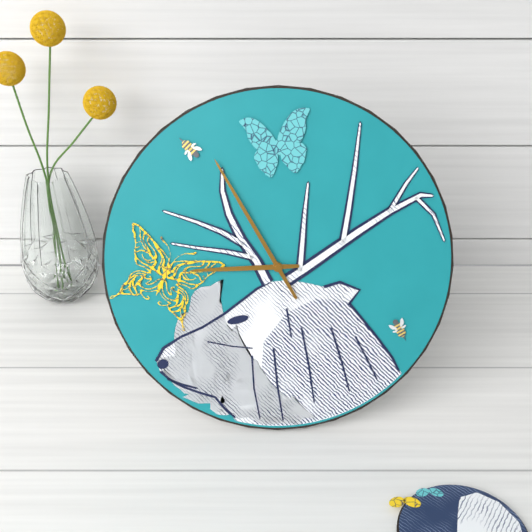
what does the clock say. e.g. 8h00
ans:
8h55
